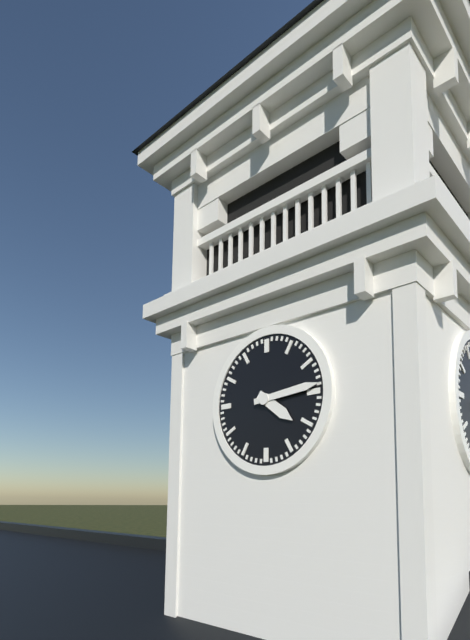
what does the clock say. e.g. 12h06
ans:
4h14
